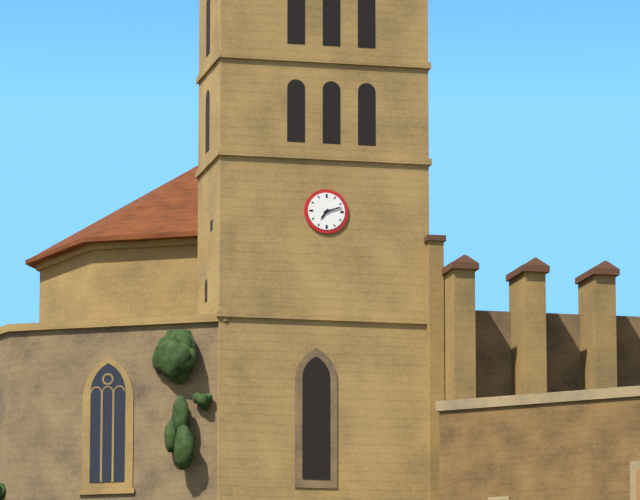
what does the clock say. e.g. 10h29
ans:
7h12
